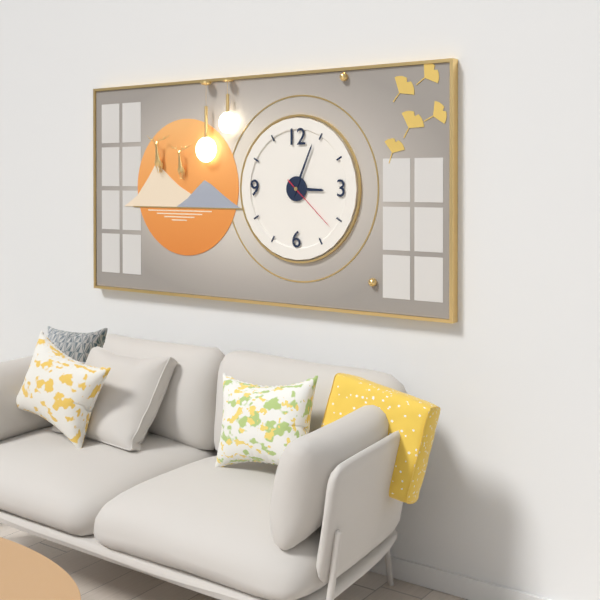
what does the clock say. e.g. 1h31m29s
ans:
3h04m22s
